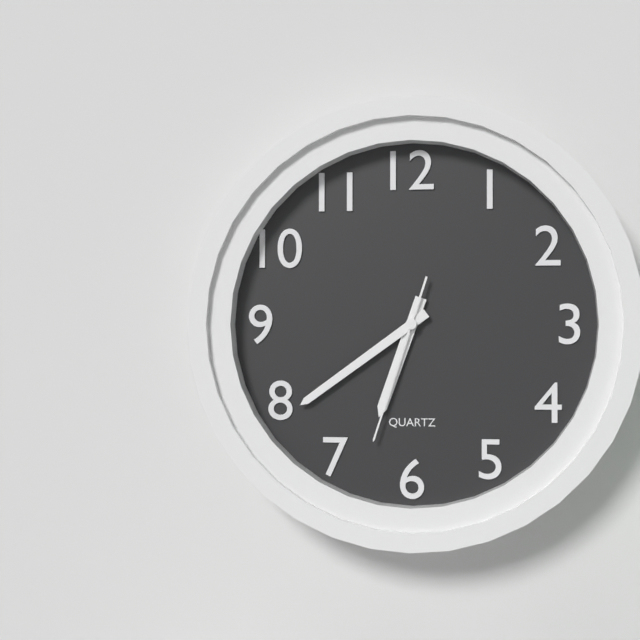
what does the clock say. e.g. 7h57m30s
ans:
6h39m33s
